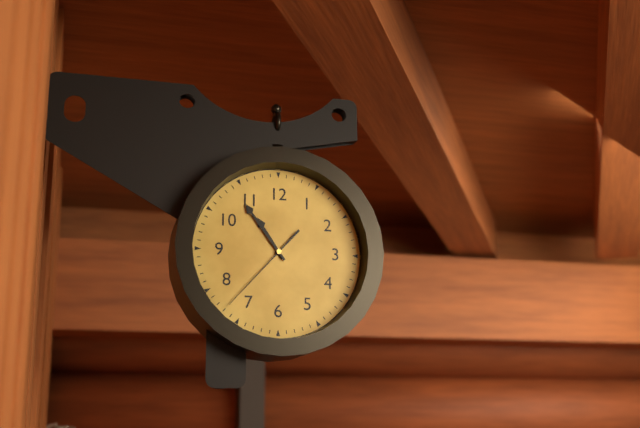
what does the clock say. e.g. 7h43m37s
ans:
10h54m37s
